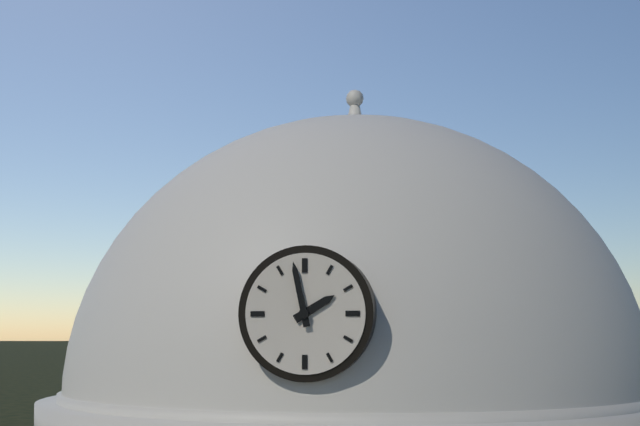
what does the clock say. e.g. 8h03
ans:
1h58
